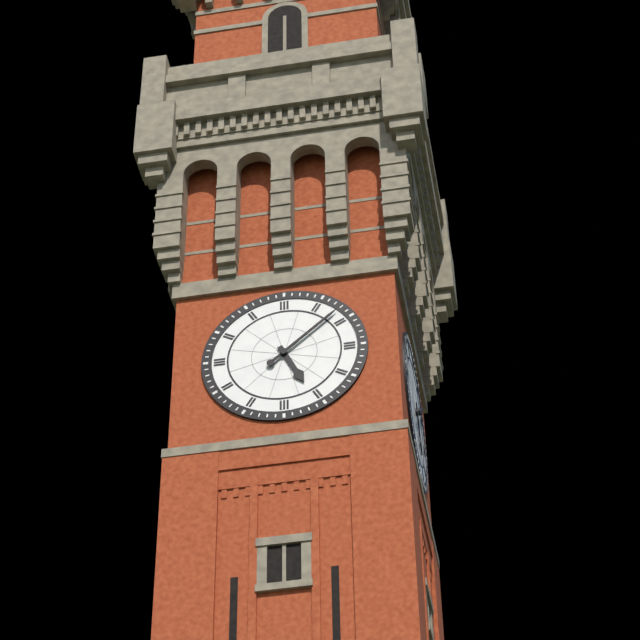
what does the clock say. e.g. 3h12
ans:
5h08
